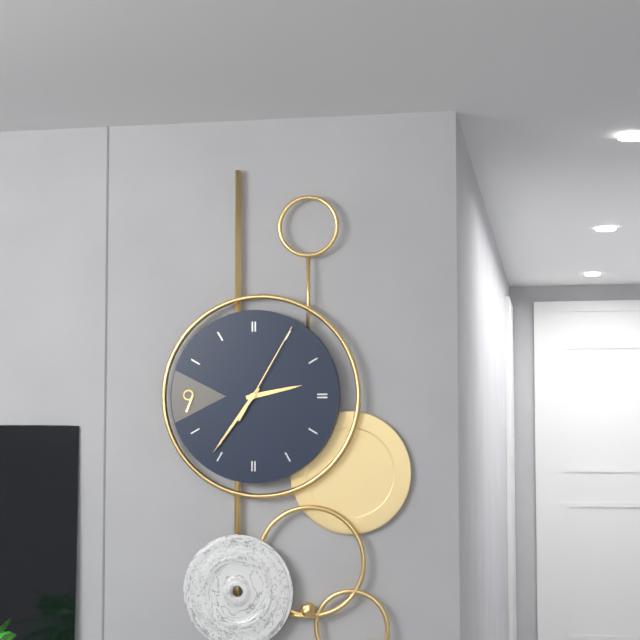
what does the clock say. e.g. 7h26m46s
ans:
2h36m05s
